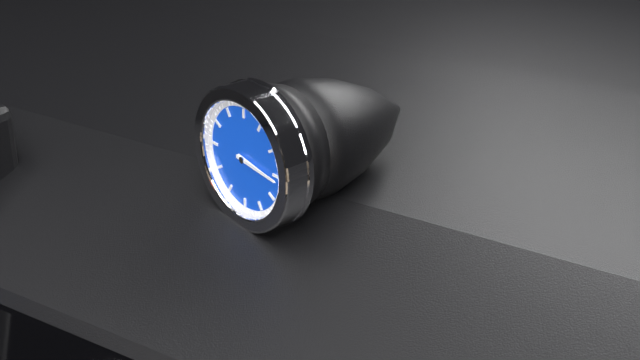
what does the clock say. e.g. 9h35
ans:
3h16
